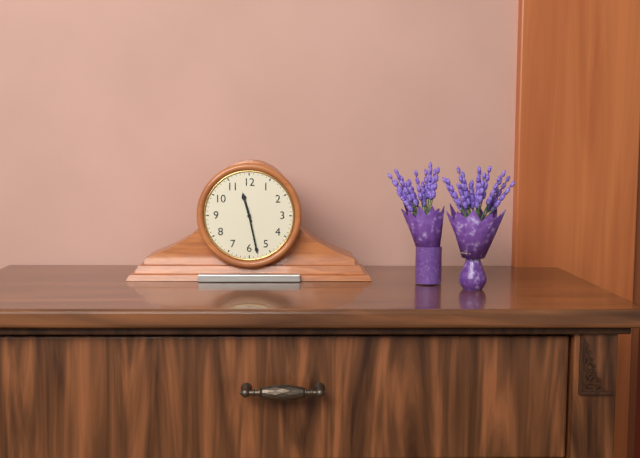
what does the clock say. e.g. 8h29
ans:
11h28
